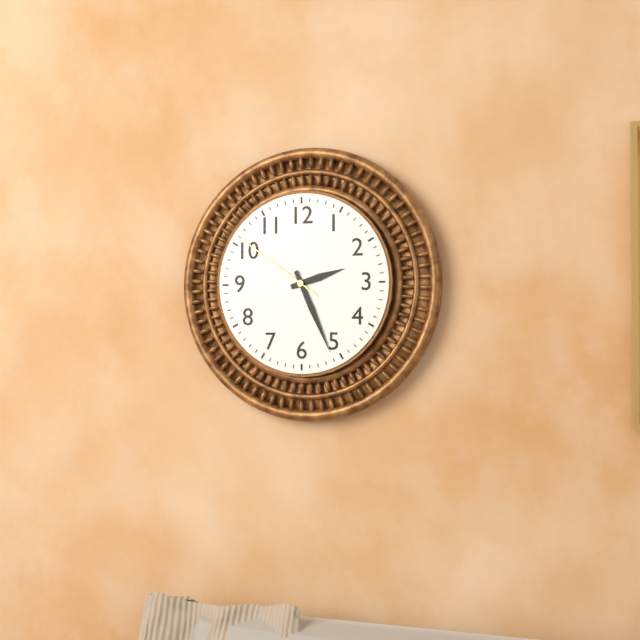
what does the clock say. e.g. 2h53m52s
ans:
2h26m51s
